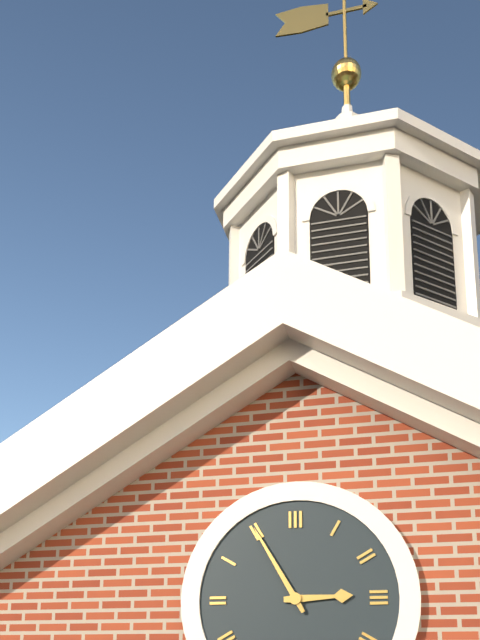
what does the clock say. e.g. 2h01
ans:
2h55
